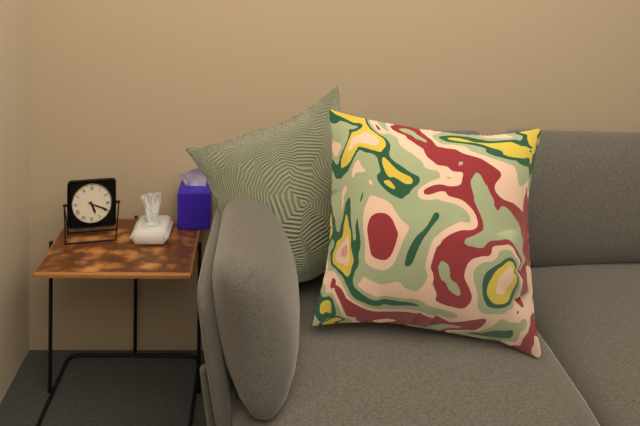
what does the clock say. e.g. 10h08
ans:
5h19
